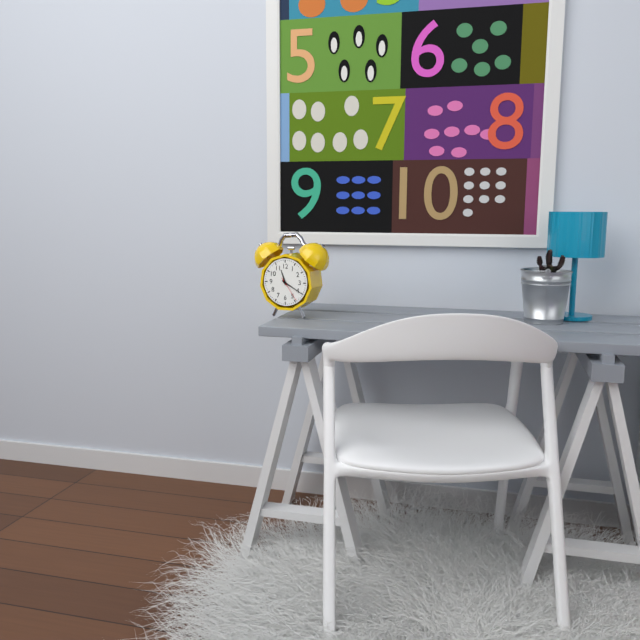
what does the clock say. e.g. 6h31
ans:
11h20
